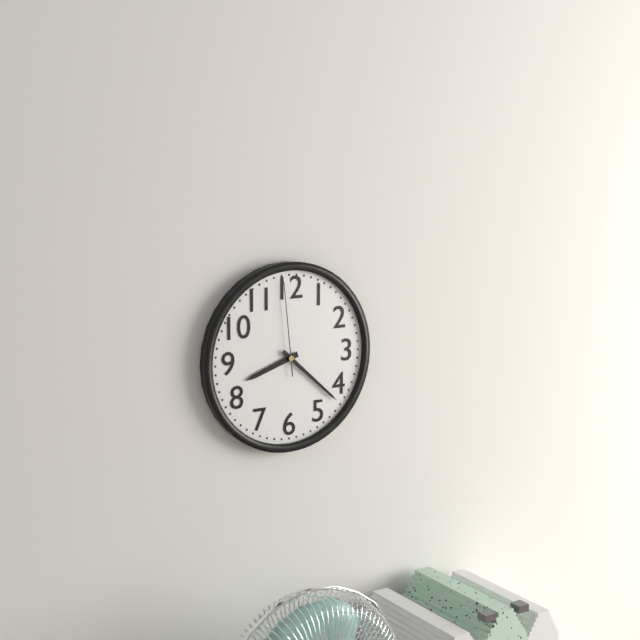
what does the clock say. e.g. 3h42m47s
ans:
8h22m59s
